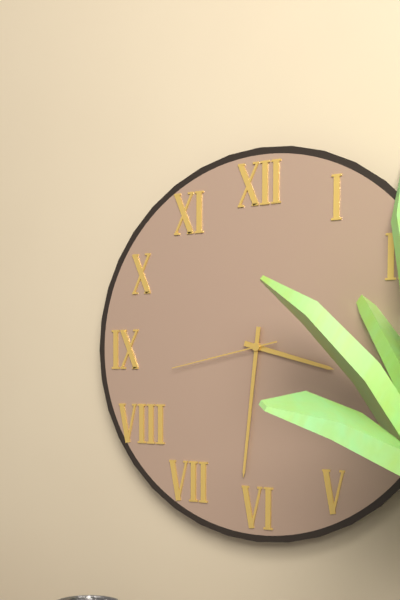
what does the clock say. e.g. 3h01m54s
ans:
3h31m43s
